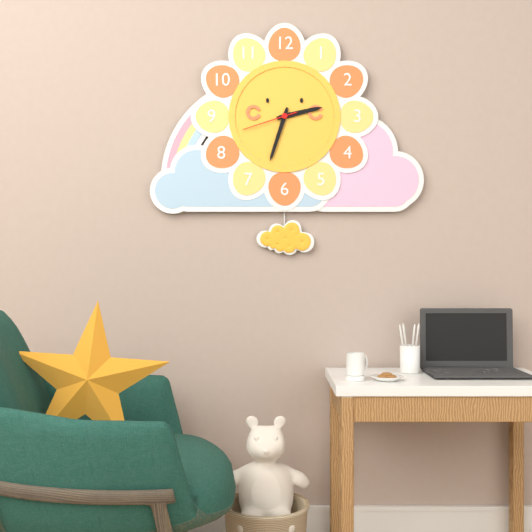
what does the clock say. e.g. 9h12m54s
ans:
2h33m42s
